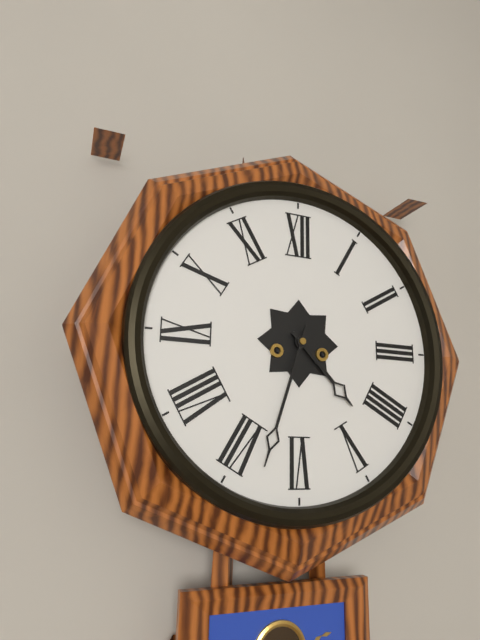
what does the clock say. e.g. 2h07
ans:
4h33
